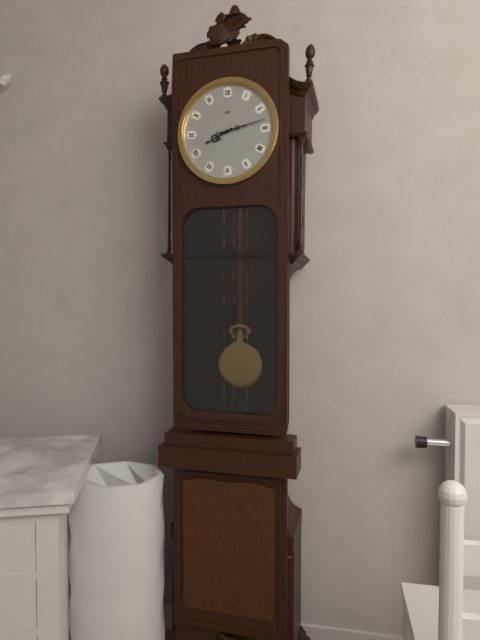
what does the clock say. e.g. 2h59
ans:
8h13
